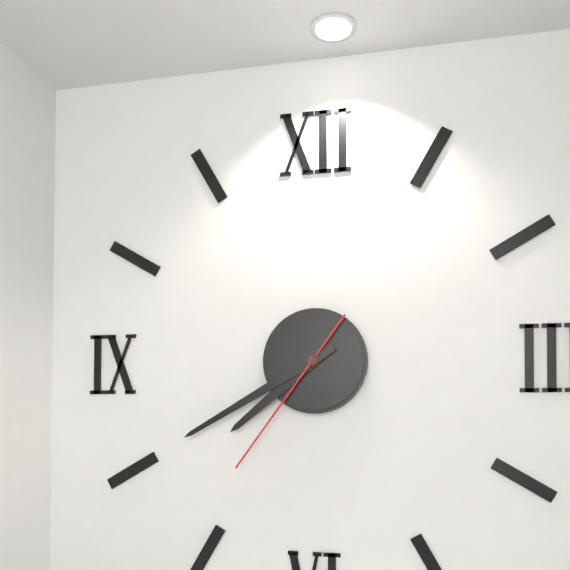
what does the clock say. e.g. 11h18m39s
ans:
7h40m36s
